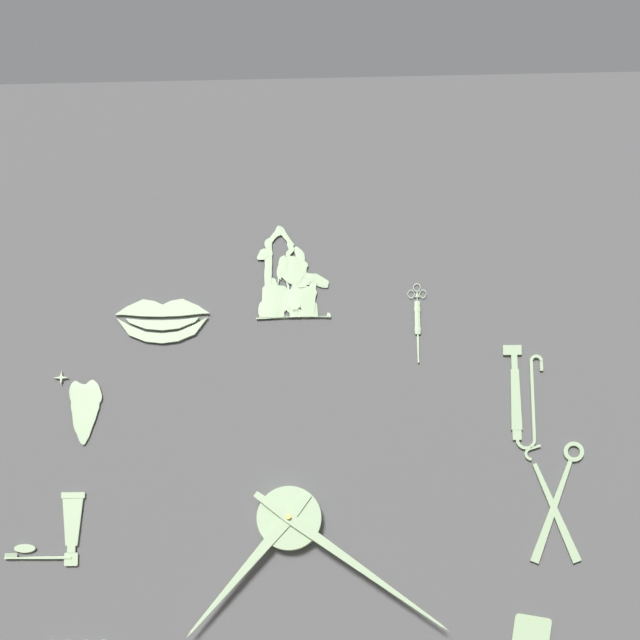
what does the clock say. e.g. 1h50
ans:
7h21
